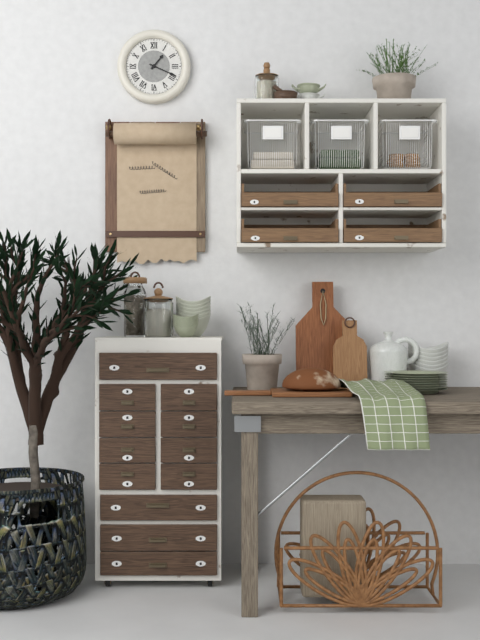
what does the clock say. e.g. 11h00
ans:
1h19
